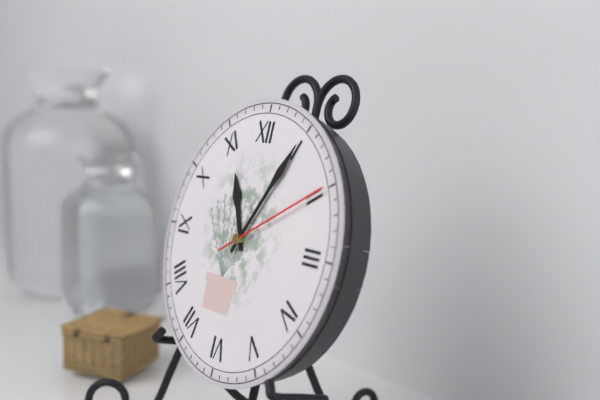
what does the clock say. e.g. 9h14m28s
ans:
11h05m10s
